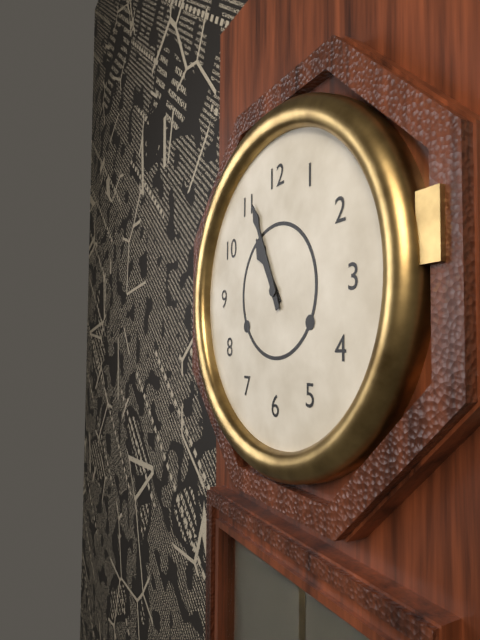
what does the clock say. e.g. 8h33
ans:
10h56
